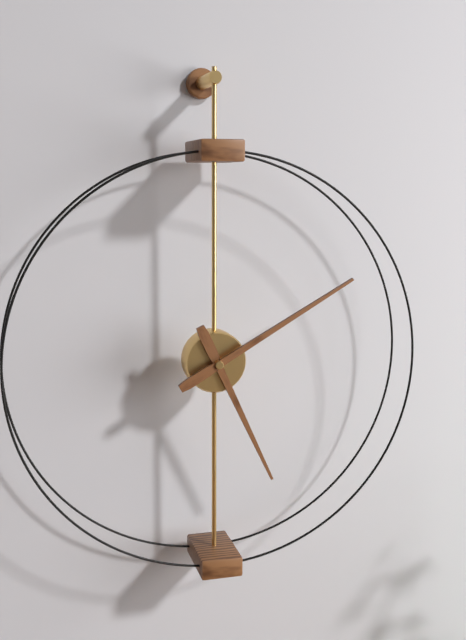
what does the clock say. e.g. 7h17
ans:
5h10
